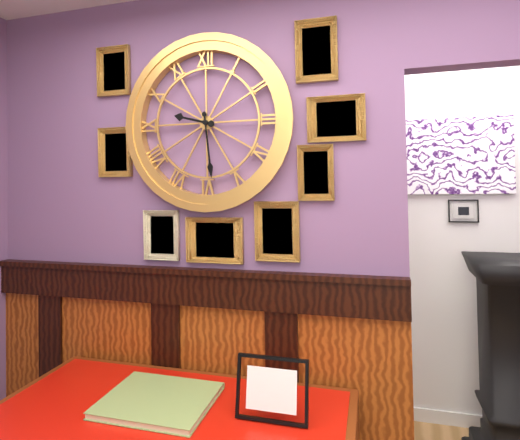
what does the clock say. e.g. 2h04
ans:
9h29
